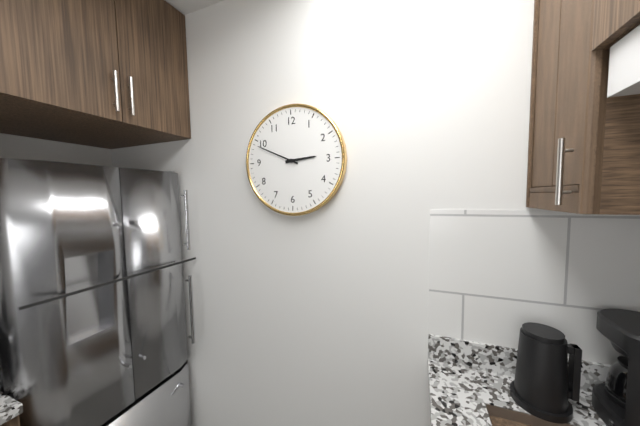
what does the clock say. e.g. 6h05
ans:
2h49
